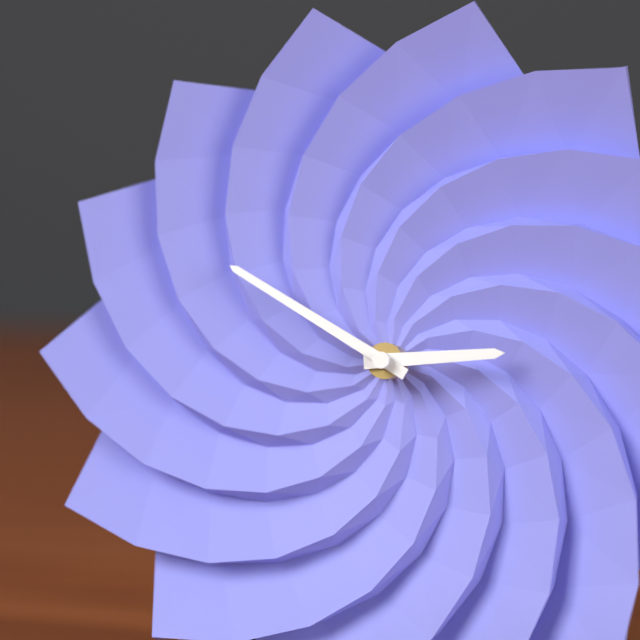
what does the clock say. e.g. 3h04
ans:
2h50
